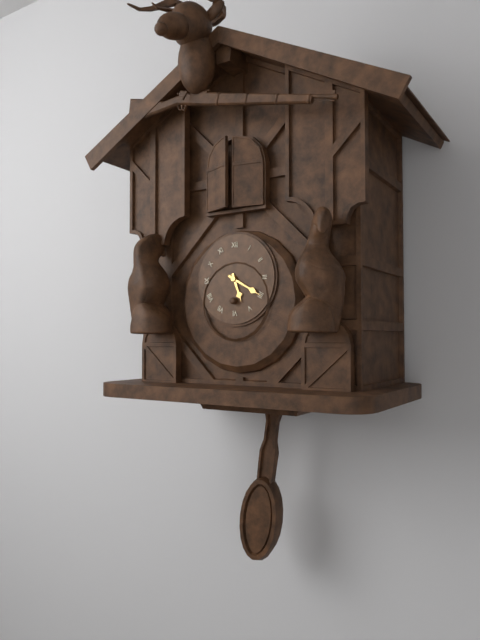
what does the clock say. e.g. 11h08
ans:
5h20
